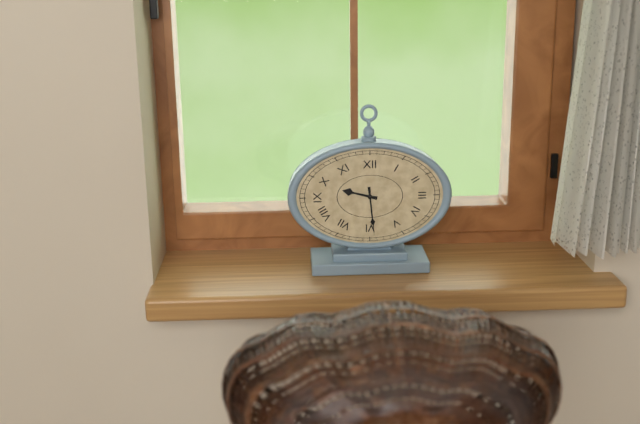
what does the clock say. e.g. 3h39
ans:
9h29
